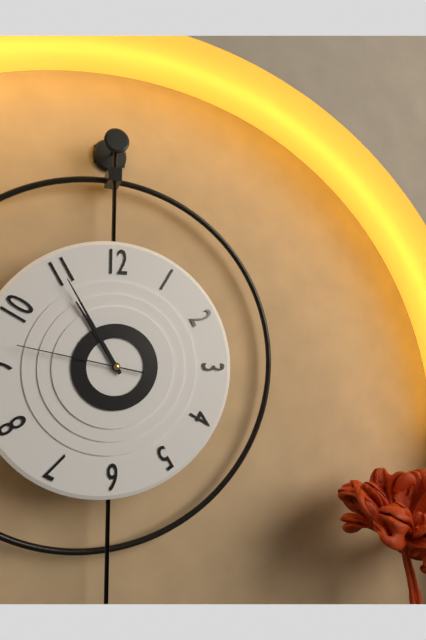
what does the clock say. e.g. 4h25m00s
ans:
10h55m47s
